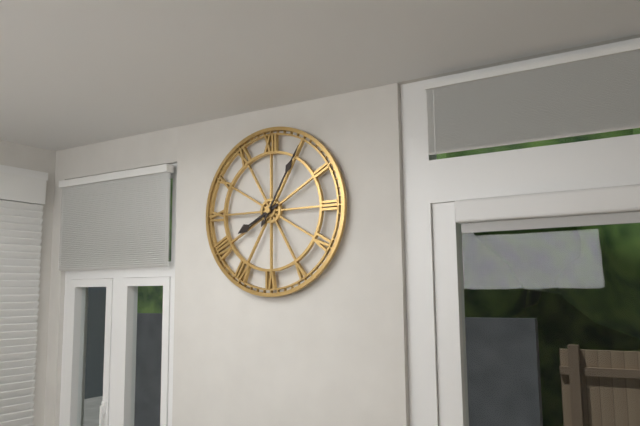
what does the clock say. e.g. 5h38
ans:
8h05
